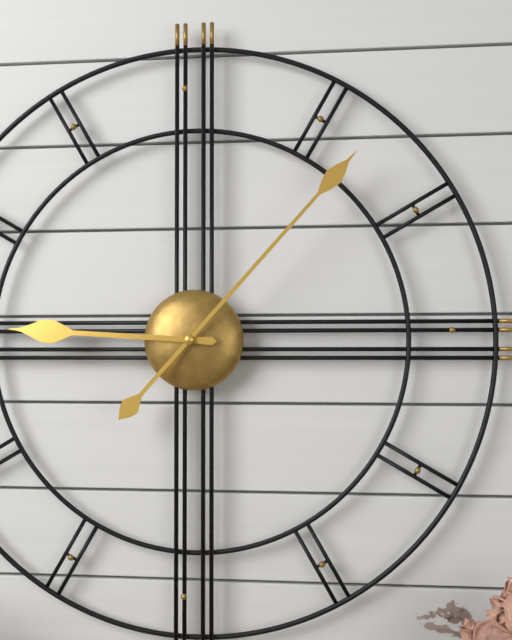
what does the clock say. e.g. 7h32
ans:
9h07
